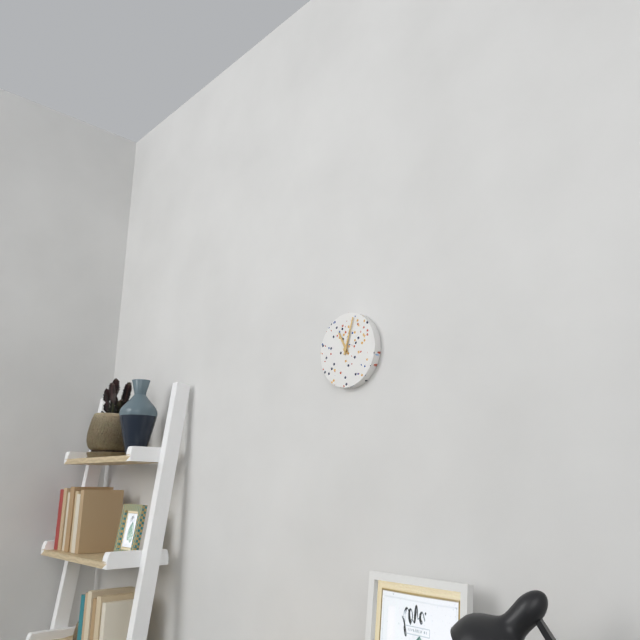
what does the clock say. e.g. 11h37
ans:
11h03
